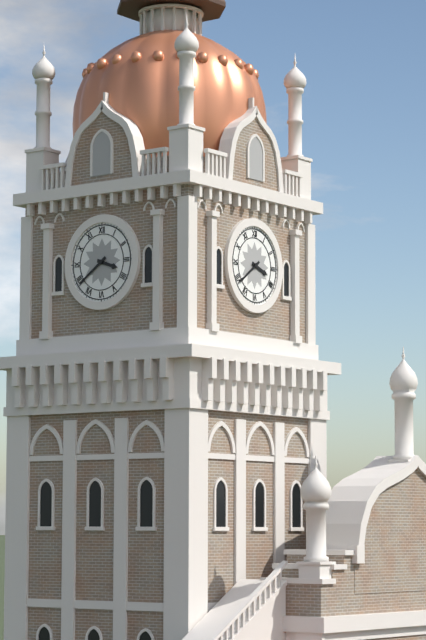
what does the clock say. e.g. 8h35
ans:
3h39
